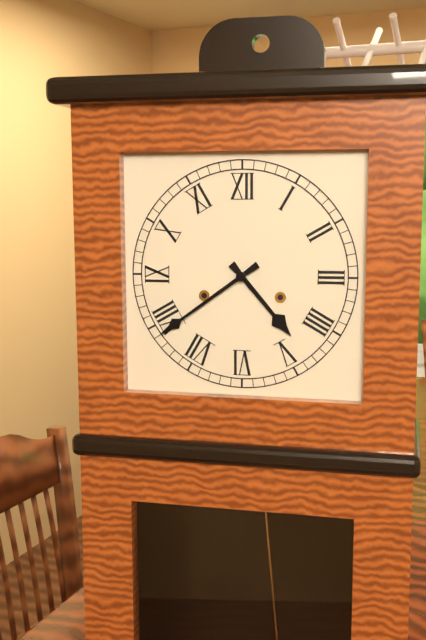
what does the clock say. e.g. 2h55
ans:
4h39
